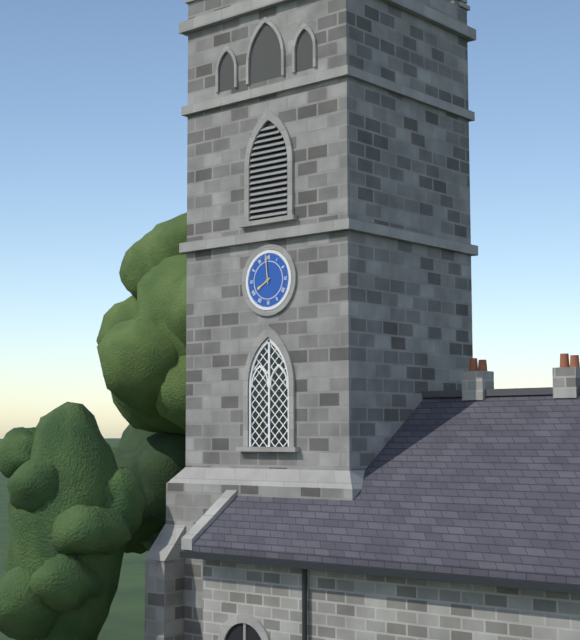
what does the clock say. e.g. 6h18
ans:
7h59
